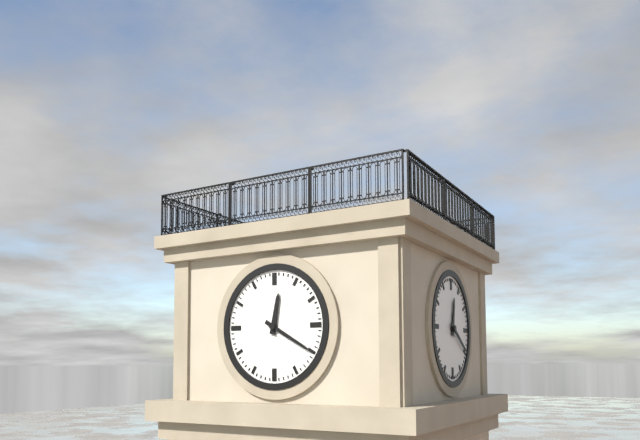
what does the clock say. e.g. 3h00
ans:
12h20
